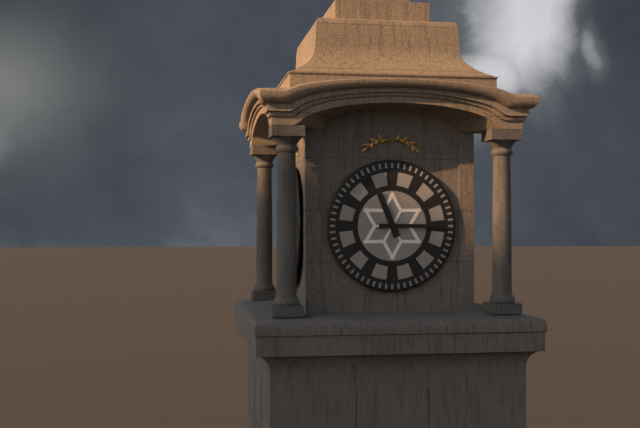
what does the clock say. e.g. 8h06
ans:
11h15
